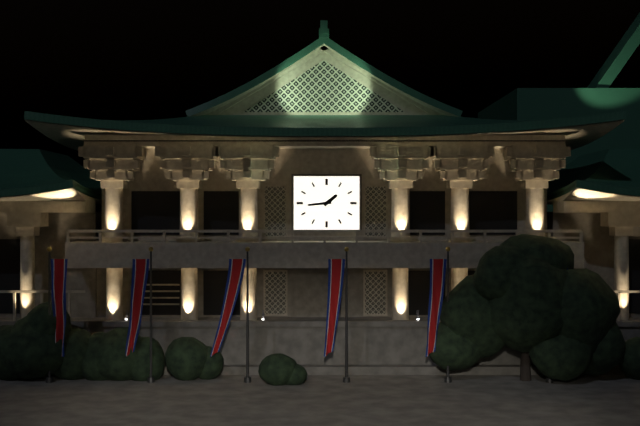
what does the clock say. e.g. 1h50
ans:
1h44
